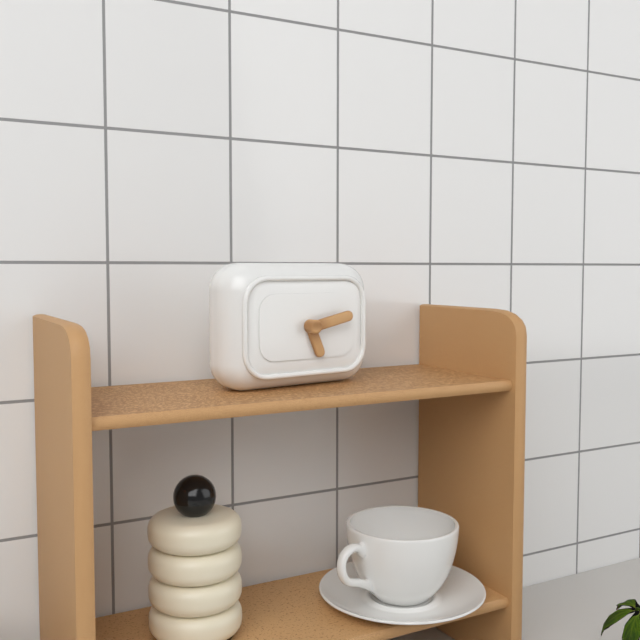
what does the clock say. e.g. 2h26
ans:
5h13
